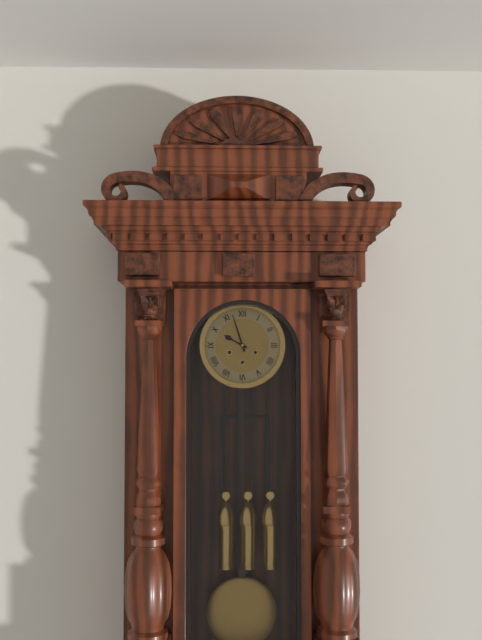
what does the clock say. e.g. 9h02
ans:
9h57
